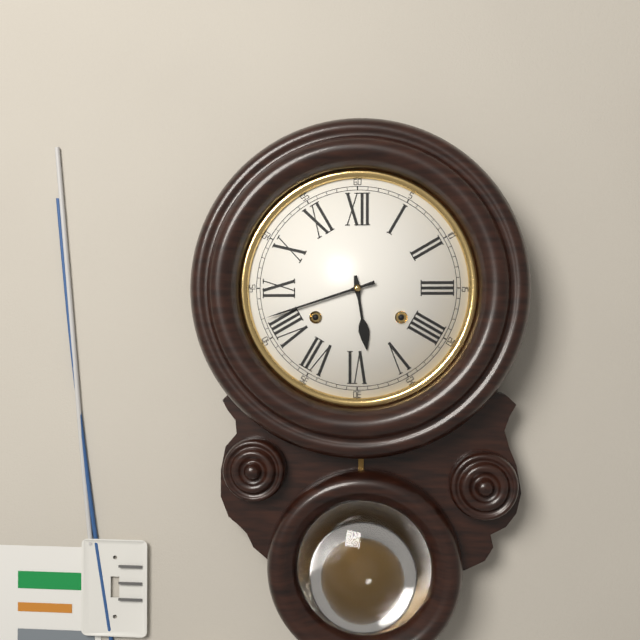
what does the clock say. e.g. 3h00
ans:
5h42
